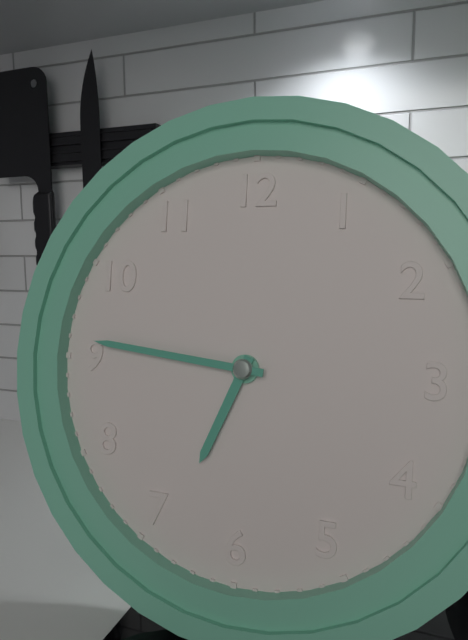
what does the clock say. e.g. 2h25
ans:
6h46
